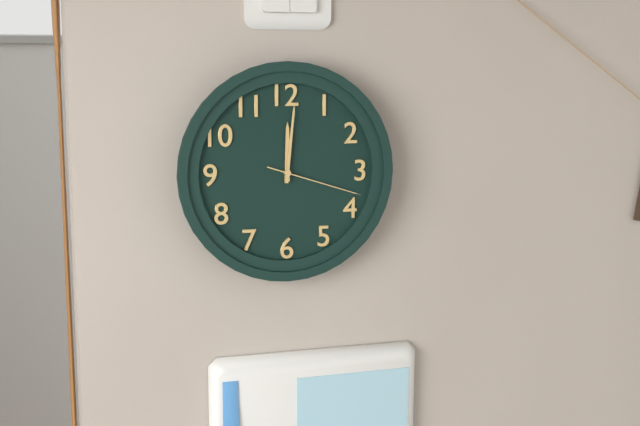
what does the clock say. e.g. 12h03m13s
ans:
12h01m18s
